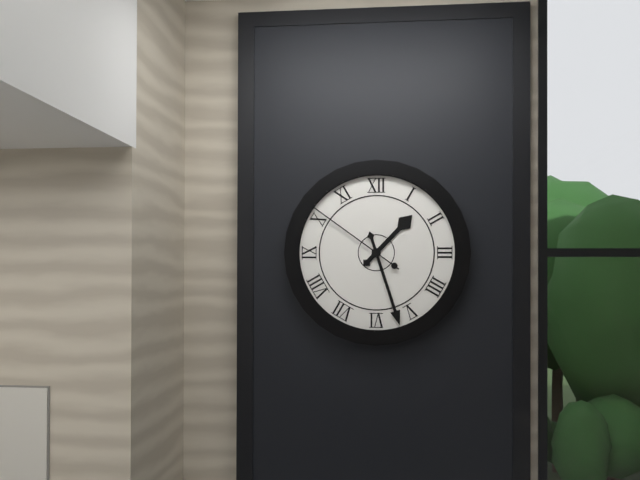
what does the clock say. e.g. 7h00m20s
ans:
1h27m51s
